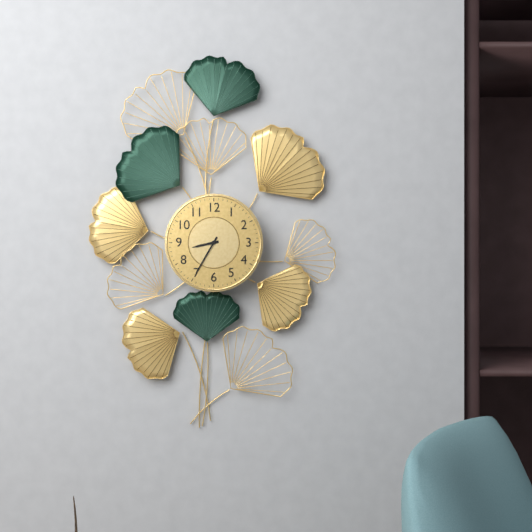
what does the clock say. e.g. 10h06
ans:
8h35
